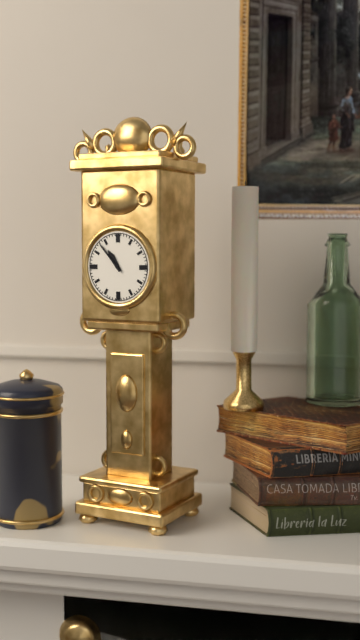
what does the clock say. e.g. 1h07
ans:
10h53
